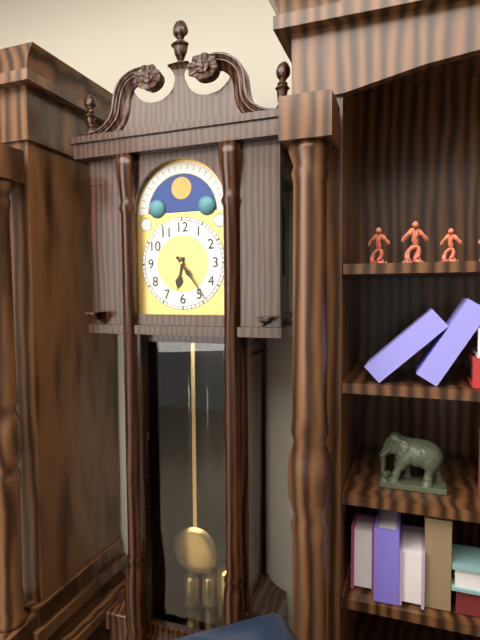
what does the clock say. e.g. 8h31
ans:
6h24
